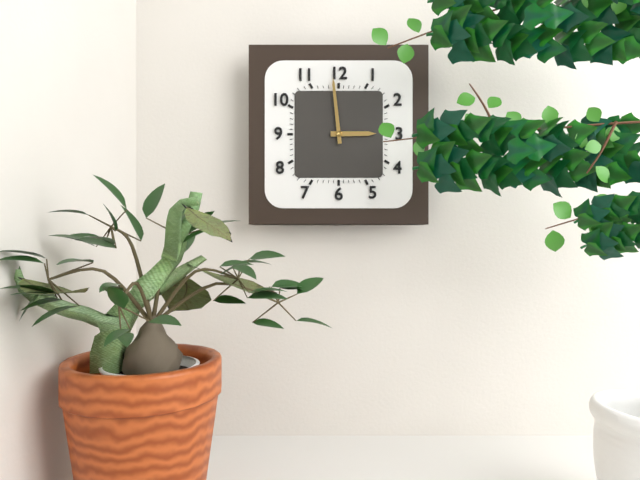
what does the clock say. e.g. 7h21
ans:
2h59
